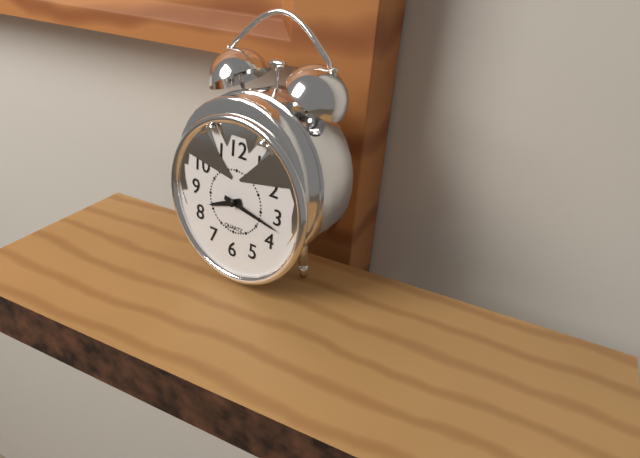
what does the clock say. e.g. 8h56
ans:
8h17
